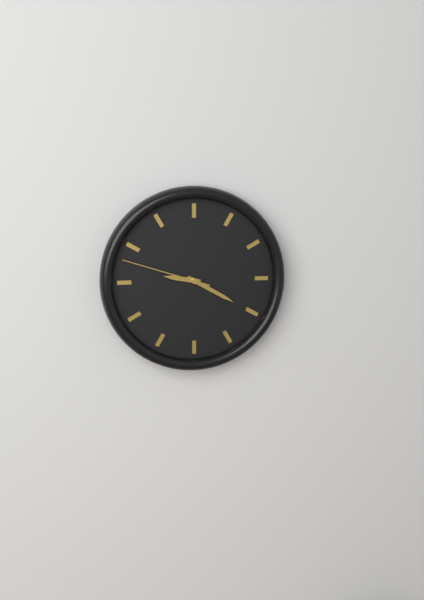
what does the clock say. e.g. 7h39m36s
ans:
9h20m48s
